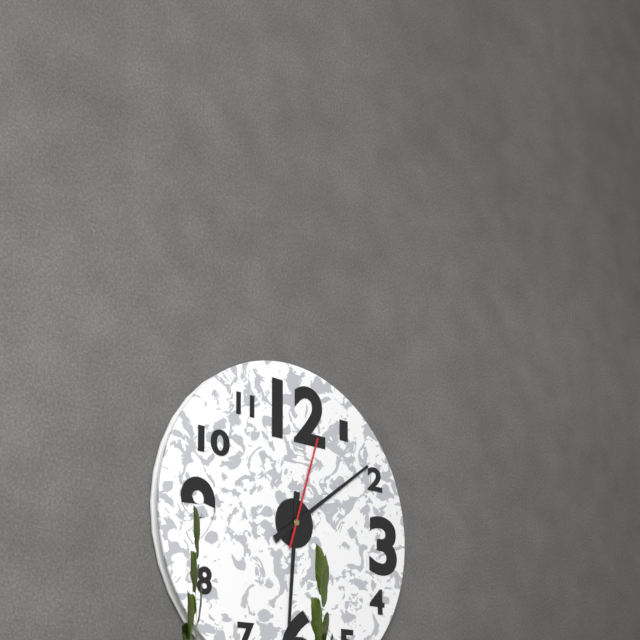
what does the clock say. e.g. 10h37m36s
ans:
6h09m03s
